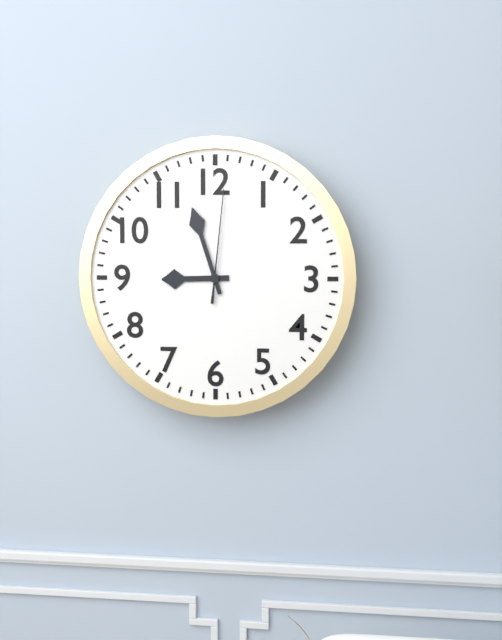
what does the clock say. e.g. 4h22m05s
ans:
8h57m01s
